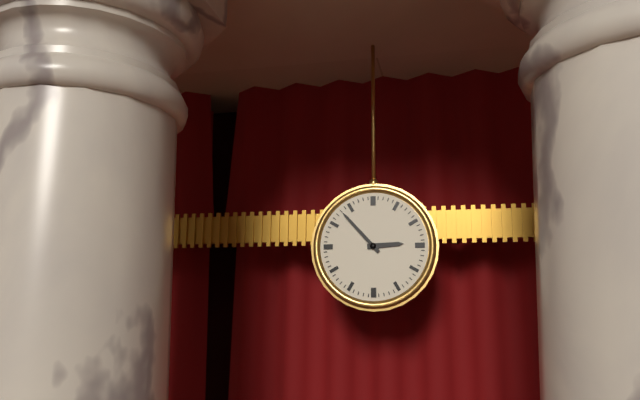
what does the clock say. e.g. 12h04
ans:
2h53
